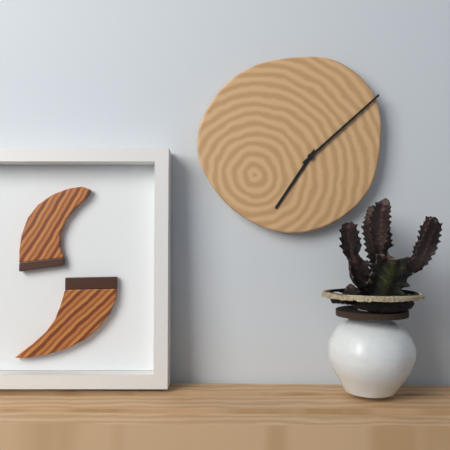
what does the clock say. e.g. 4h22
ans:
7h08
